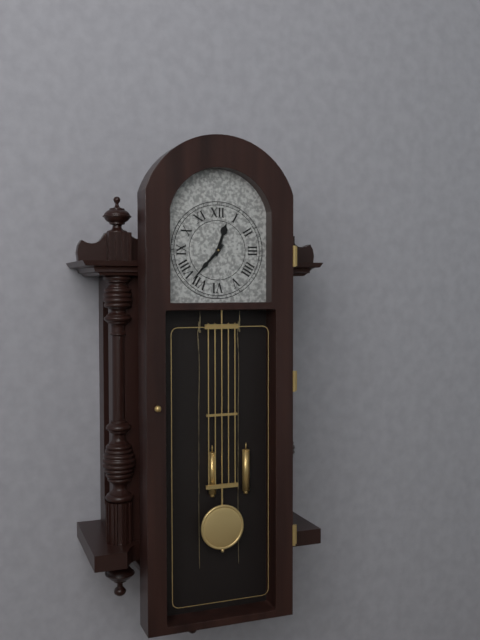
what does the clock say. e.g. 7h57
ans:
12h37
